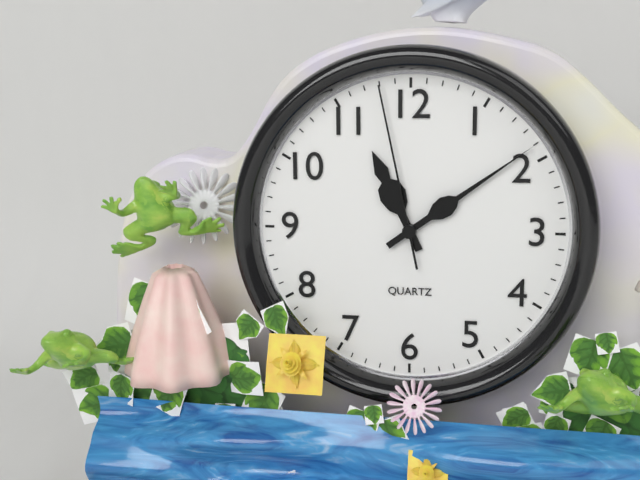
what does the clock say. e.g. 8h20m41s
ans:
11h09m58s
